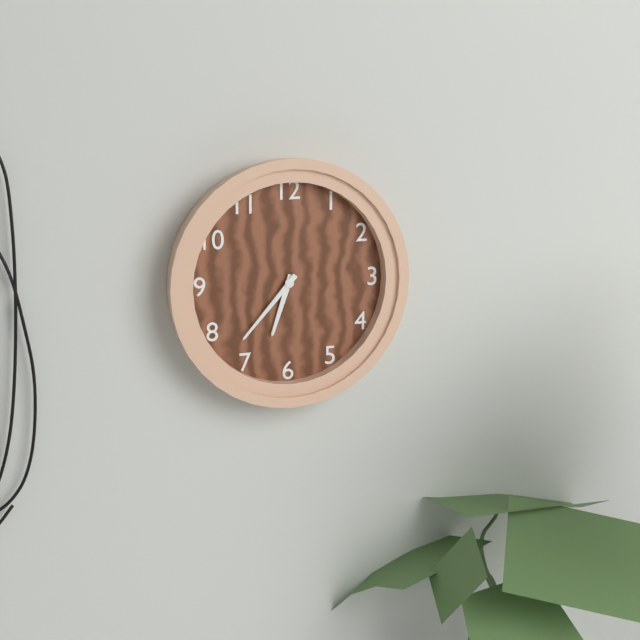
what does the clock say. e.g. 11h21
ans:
6h37
